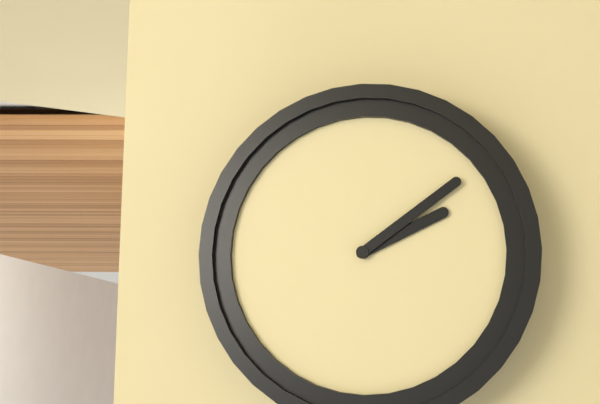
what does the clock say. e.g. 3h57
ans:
2h09
